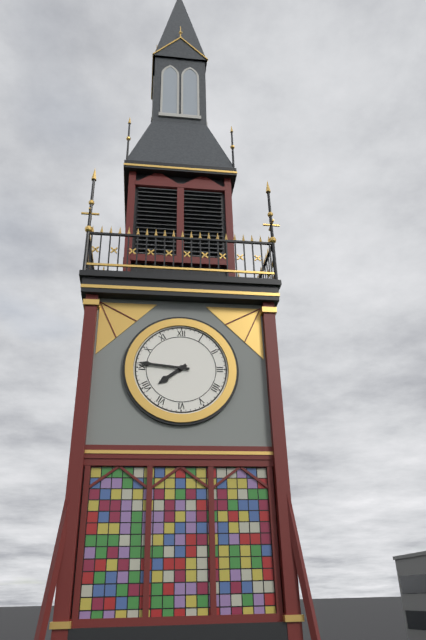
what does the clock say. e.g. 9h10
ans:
7h46
